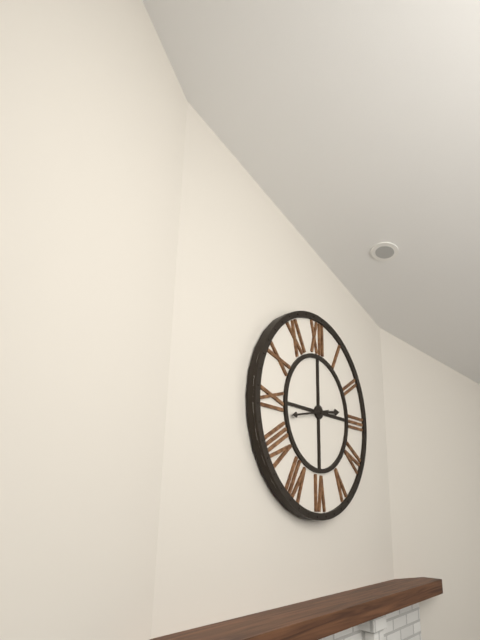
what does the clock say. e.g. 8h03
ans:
2h43
